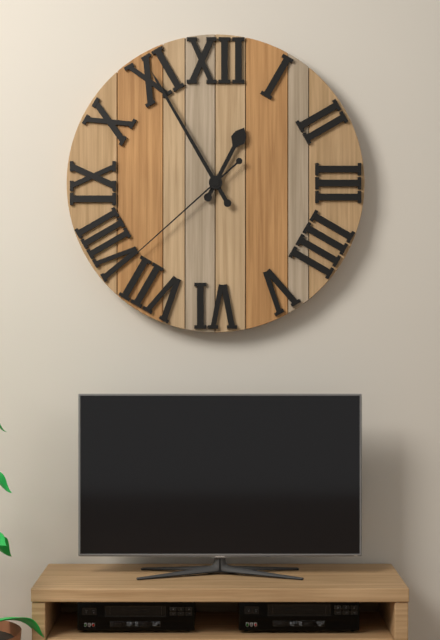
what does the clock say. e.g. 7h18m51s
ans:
12h55m38s
